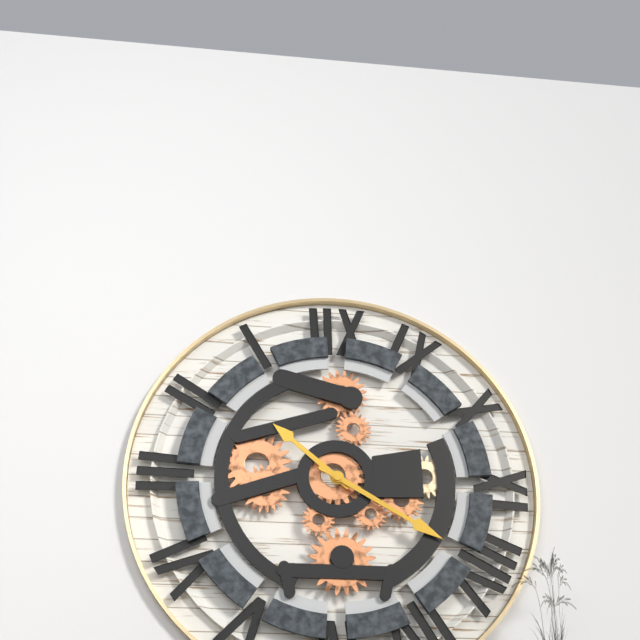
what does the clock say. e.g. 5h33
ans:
10h20
